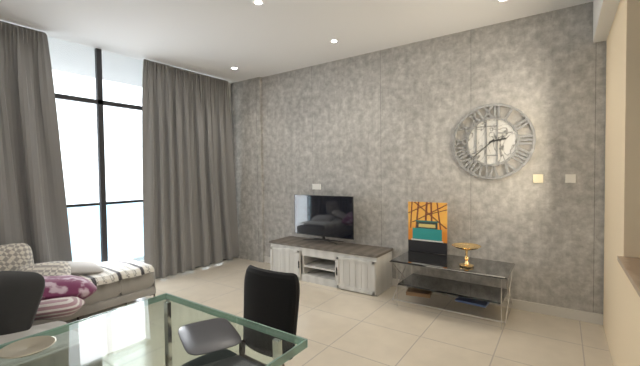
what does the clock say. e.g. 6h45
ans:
2h38
